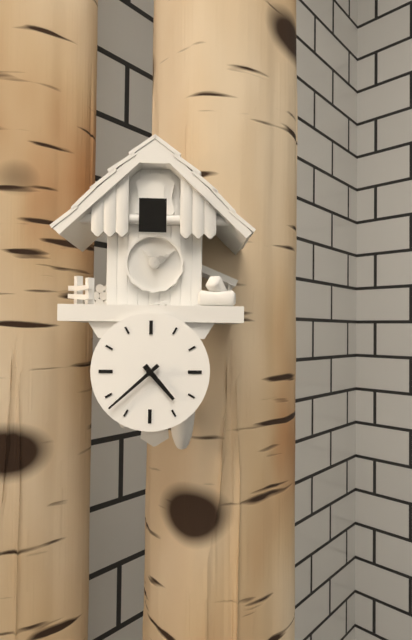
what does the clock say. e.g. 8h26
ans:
4h38
